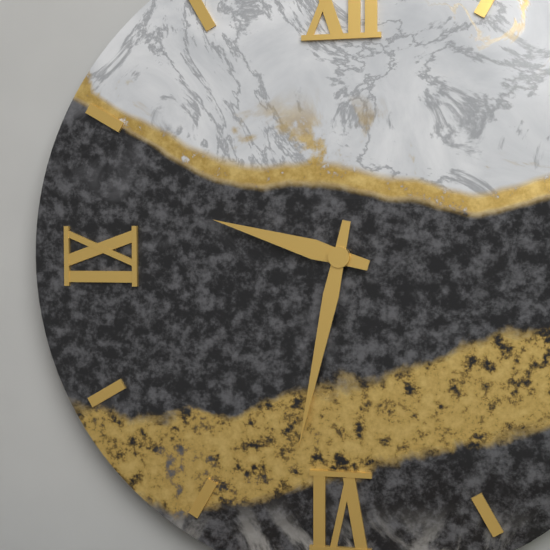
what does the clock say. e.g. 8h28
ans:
9h32
